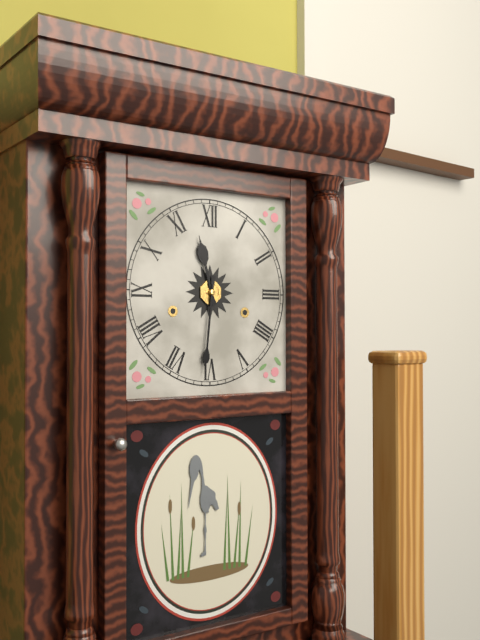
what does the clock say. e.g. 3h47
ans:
11h31
